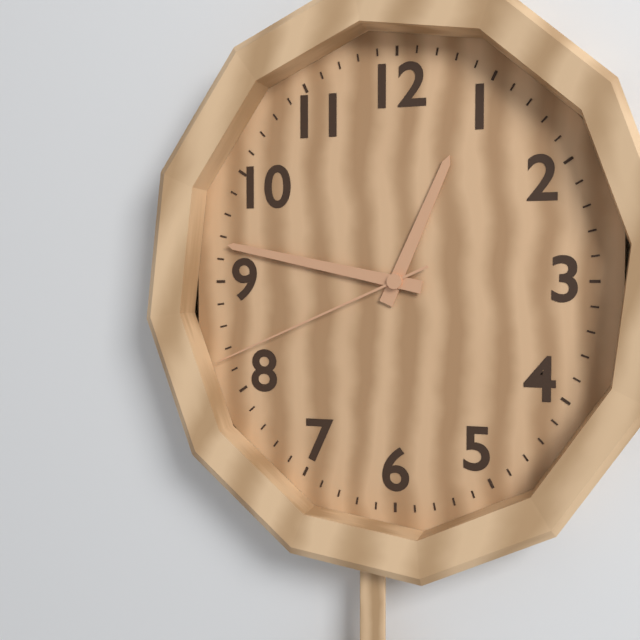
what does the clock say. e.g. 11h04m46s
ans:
12h47m41s
